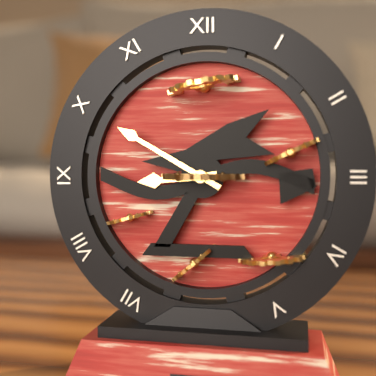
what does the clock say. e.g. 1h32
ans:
8h50
